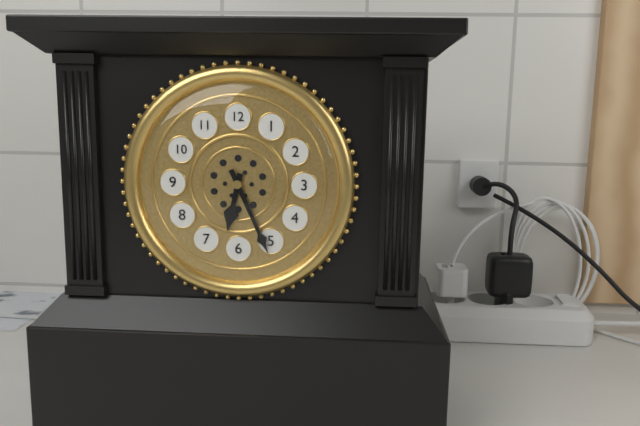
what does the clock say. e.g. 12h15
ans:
6h26
